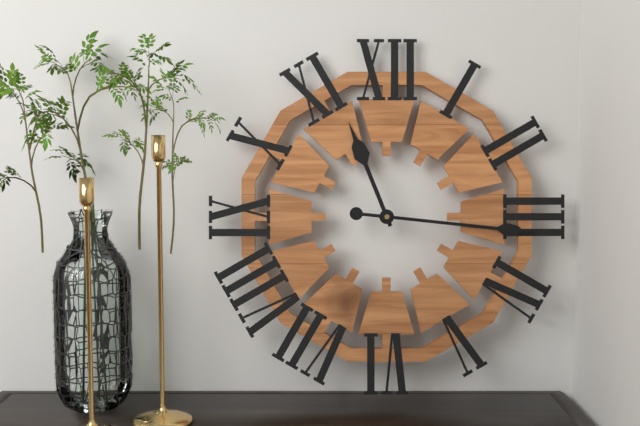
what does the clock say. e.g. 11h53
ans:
11h16
